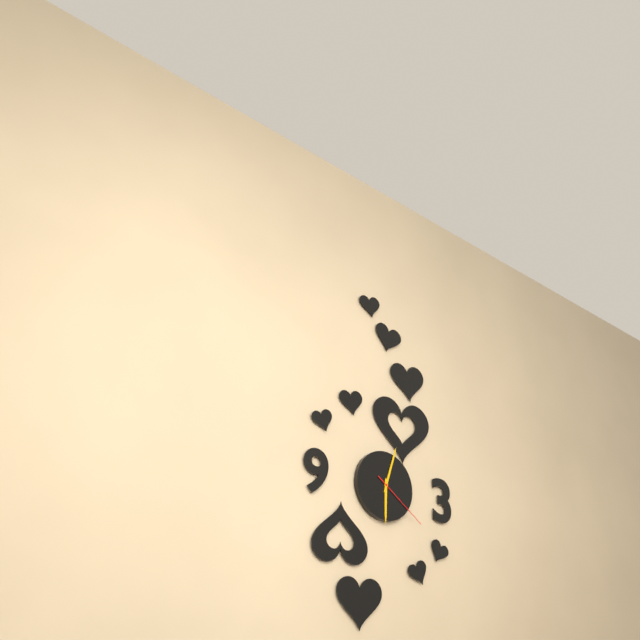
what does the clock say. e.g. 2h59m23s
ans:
6h03m21s
